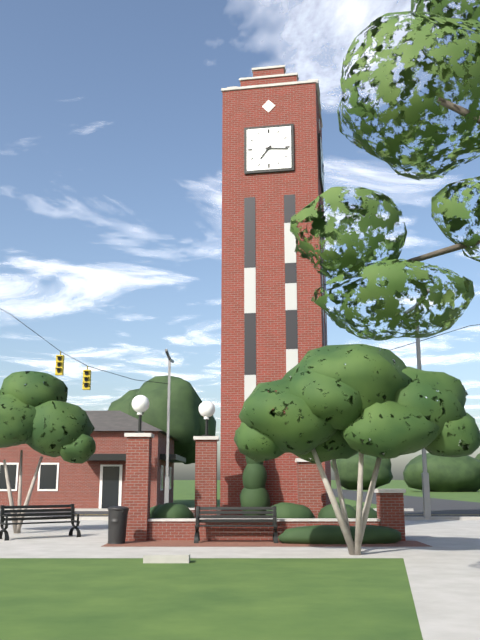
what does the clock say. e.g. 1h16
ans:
7h16
